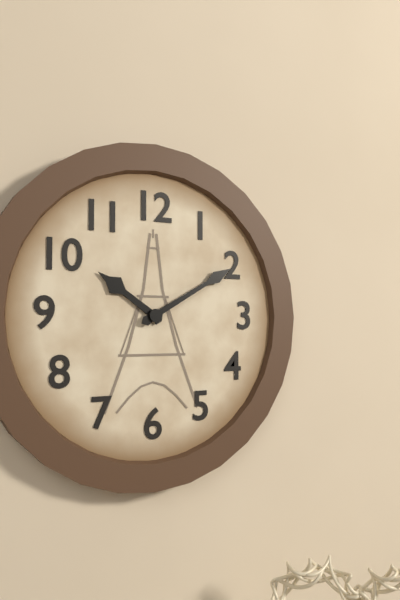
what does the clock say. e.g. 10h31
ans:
10h10
